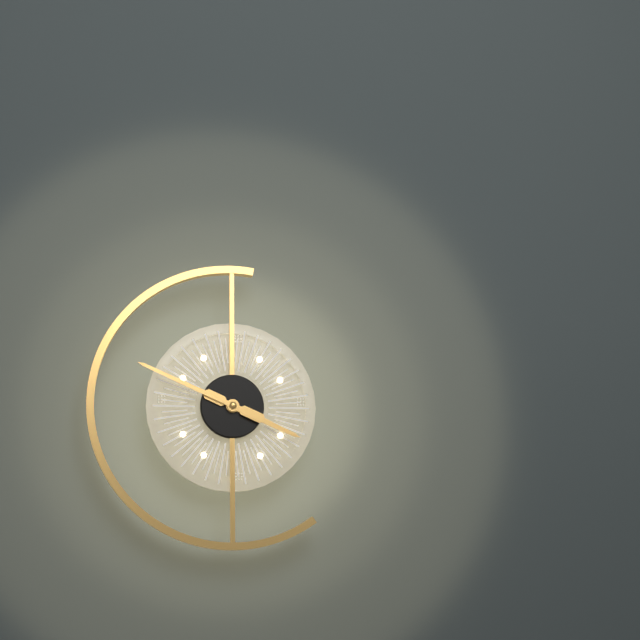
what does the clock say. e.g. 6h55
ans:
3h49
